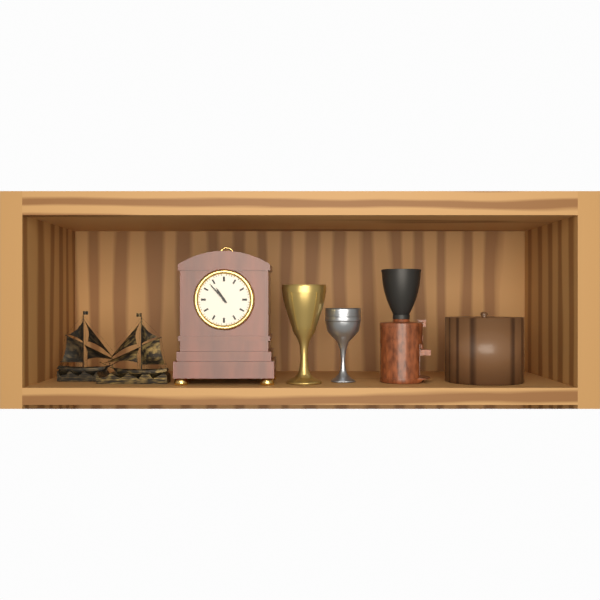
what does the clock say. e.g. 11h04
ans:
10h53
